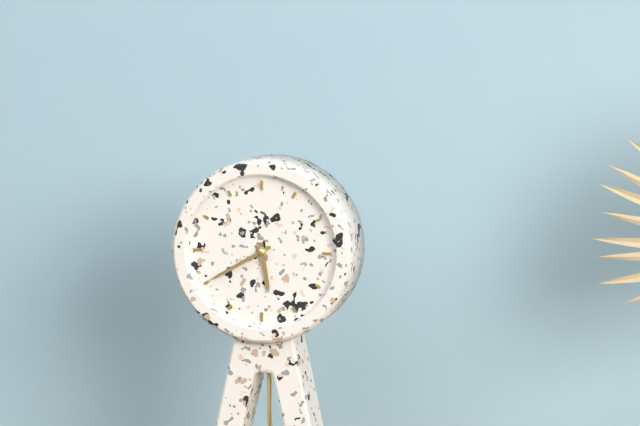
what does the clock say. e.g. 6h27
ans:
5h40
